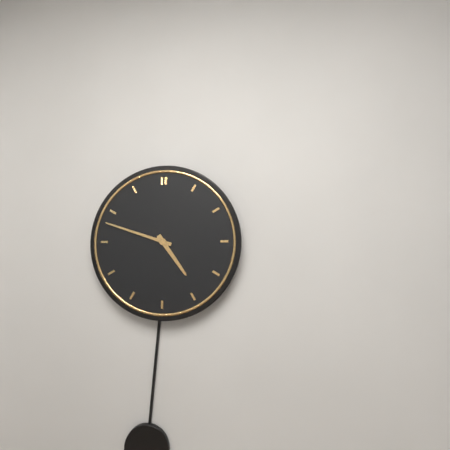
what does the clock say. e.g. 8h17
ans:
4h48
